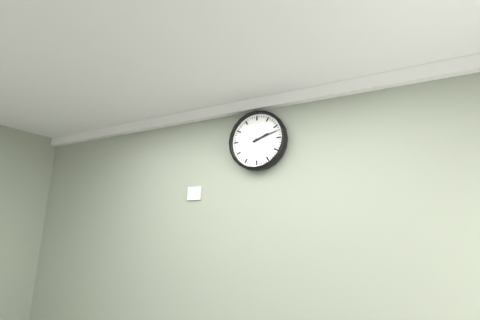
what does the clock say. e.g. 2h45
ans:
2h12
